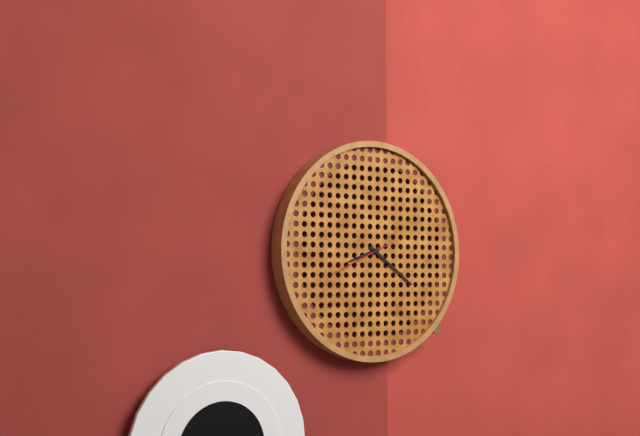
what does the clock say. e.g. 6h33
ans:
8h21
